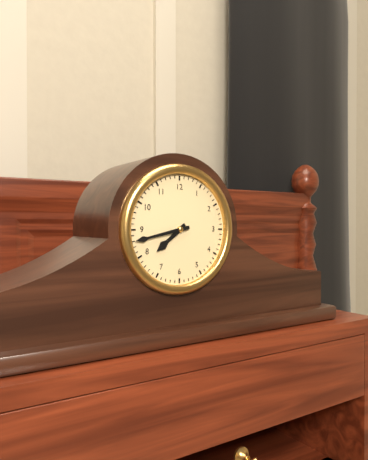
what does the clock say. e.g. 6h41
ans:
7h43
